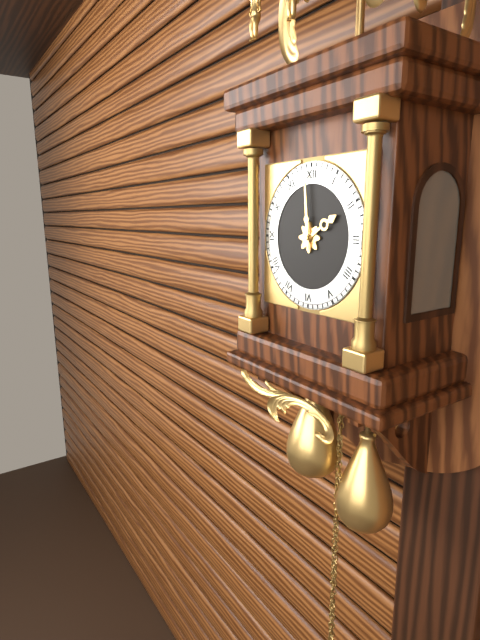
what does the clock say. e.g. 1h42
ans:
1h59
